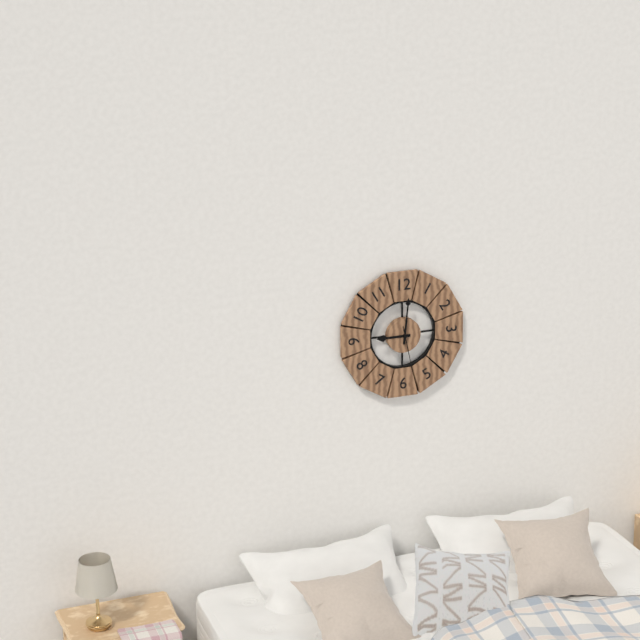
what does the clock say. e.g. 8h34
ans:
9h01
